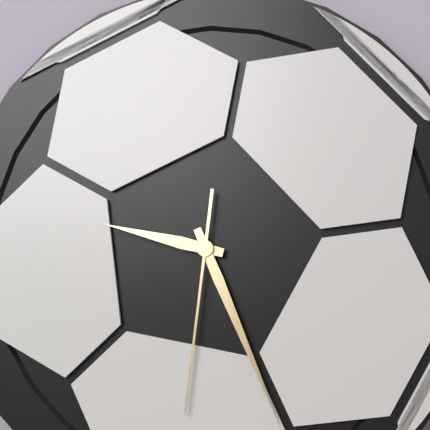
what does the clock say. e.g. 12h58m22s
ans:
9h26m31s
